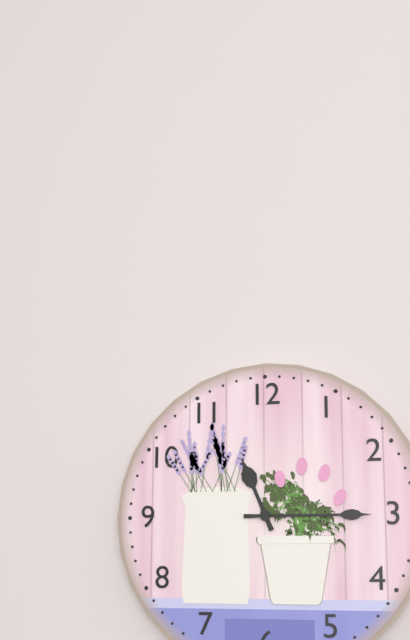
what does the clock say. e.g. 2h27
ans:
11h15
